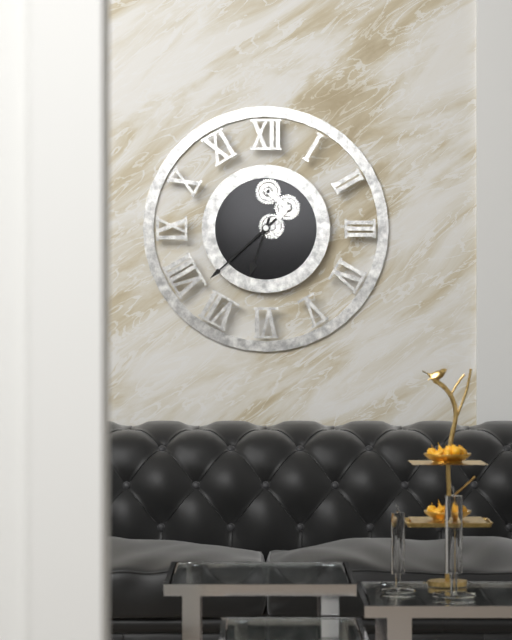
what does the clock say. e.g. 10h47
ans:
6h38
